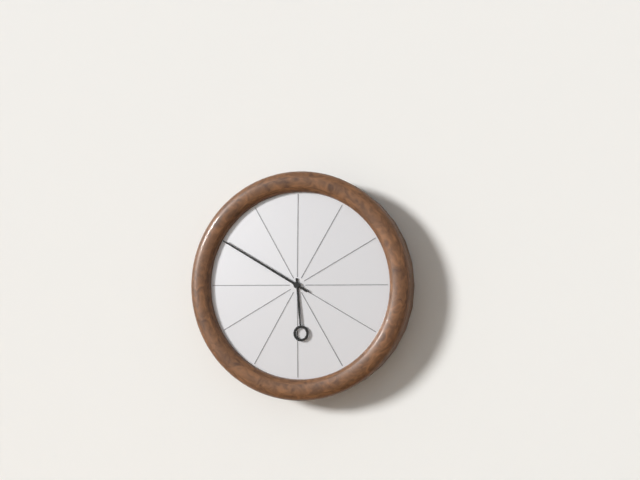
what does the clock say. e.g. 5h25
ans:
5h50
